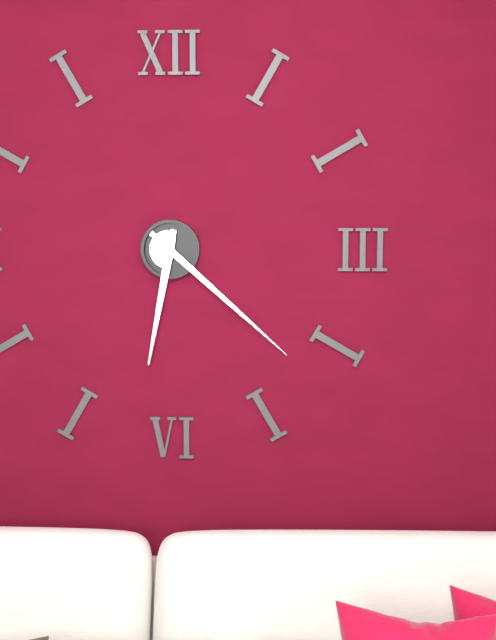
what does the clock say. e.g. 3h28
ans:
6h22
